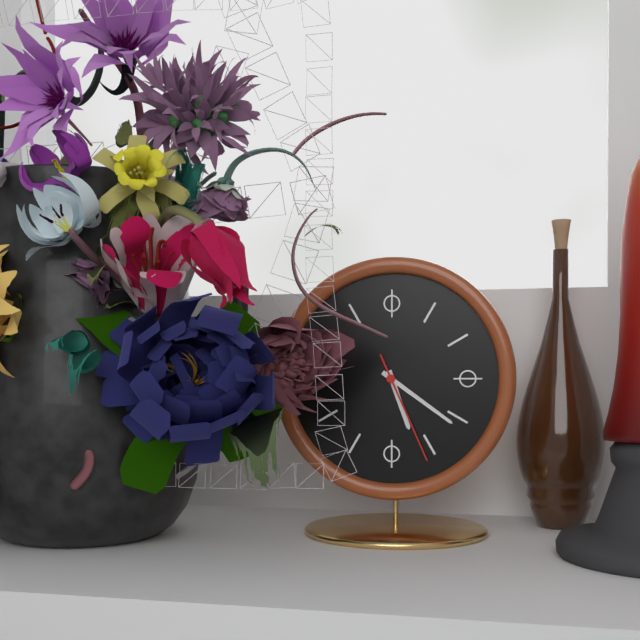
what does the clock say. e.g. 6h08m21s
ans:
5h21m26s
